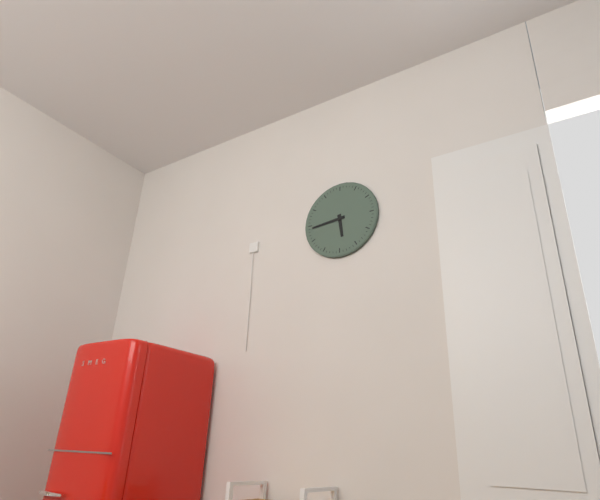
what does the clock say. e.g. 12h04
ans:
5h44
